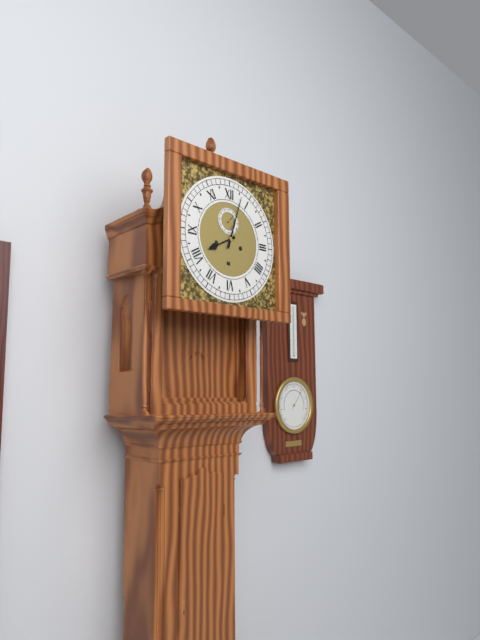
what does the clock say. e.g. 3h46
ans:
8h03
